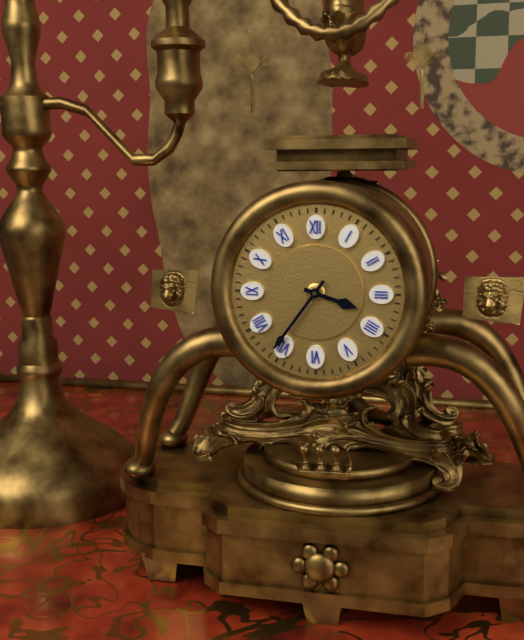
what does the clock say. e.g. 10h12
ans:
3h36
